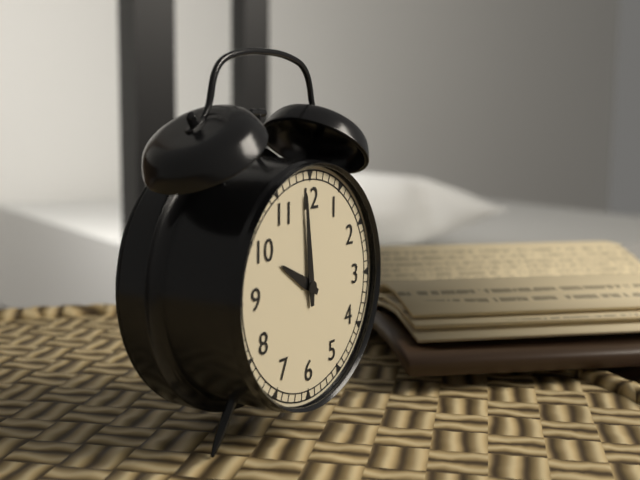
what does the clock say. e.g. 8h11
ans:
9h59
